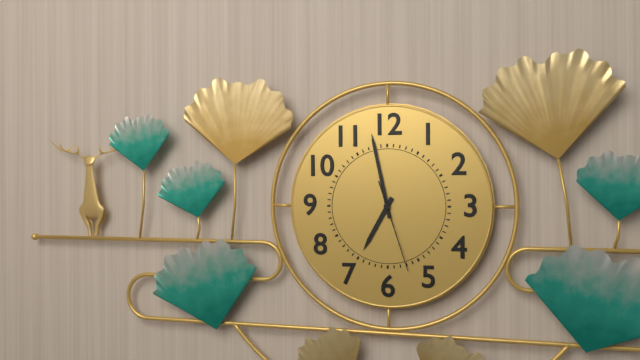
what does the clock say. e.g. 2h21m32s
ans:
6h58m27s
